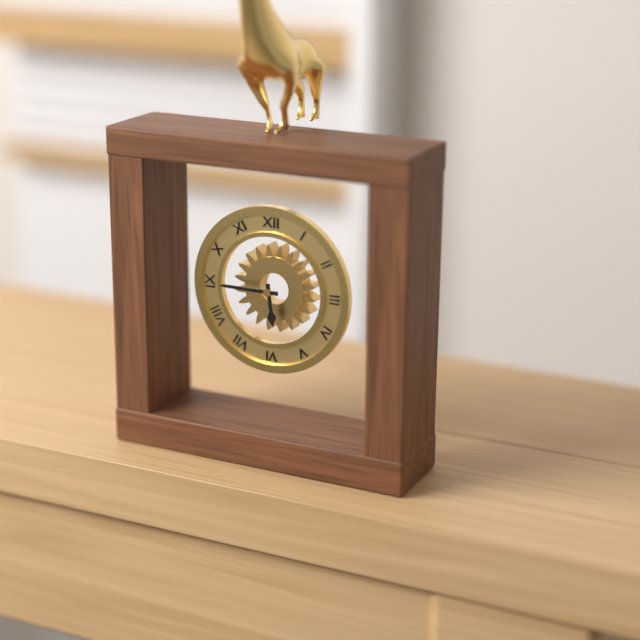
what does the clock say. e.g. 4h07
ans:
5h45
